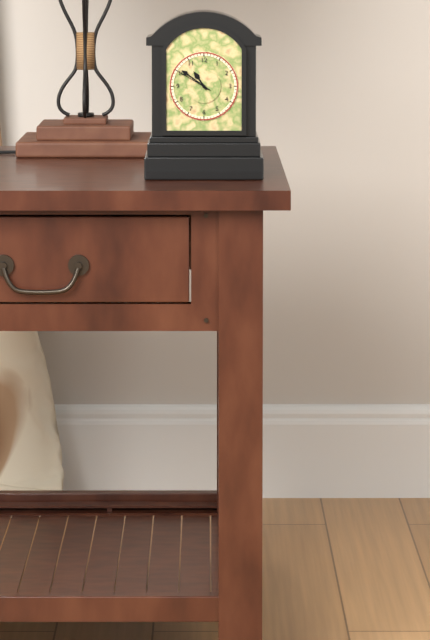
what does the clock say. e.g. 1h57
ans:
10h51
